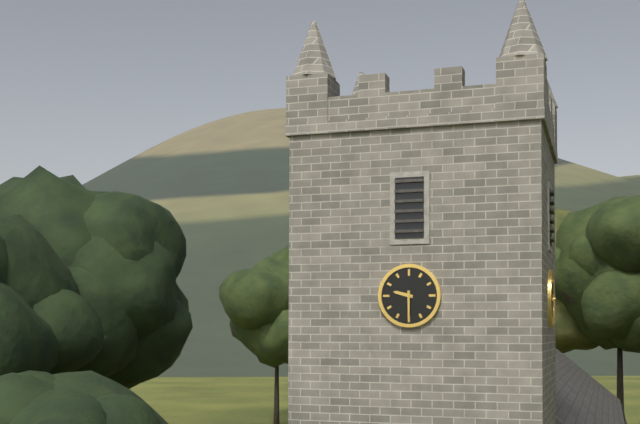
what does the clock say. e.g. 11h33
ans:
9h30
